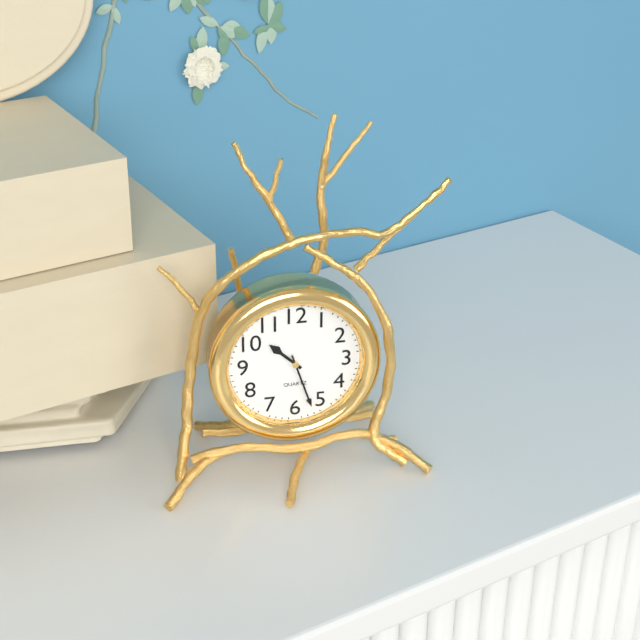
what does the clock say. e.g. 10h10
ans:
10h27
